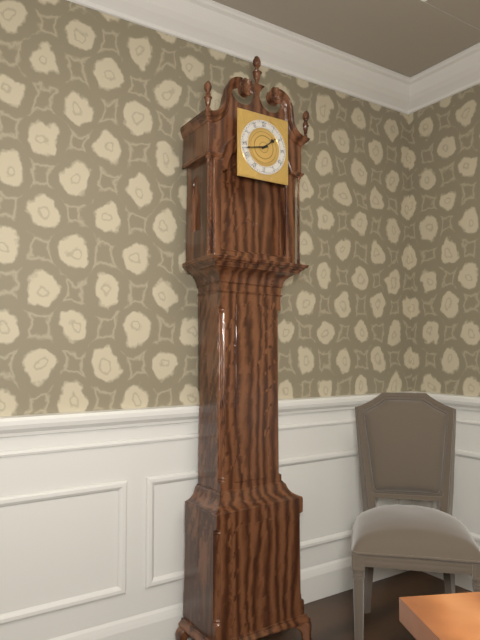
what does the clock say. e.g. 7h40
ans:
1h43
